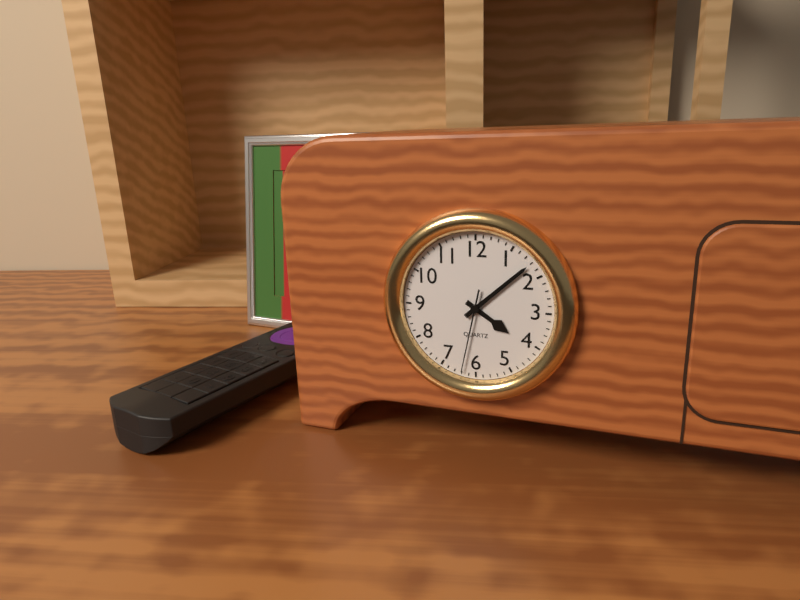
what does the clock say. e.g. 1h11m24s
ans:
4h08m32s
